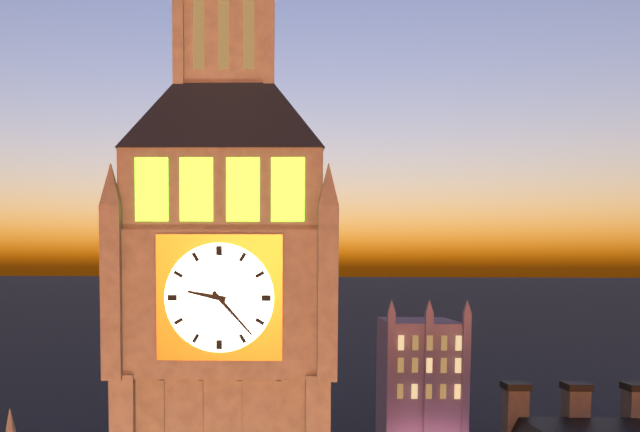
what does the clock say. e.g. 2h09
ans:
9h23
